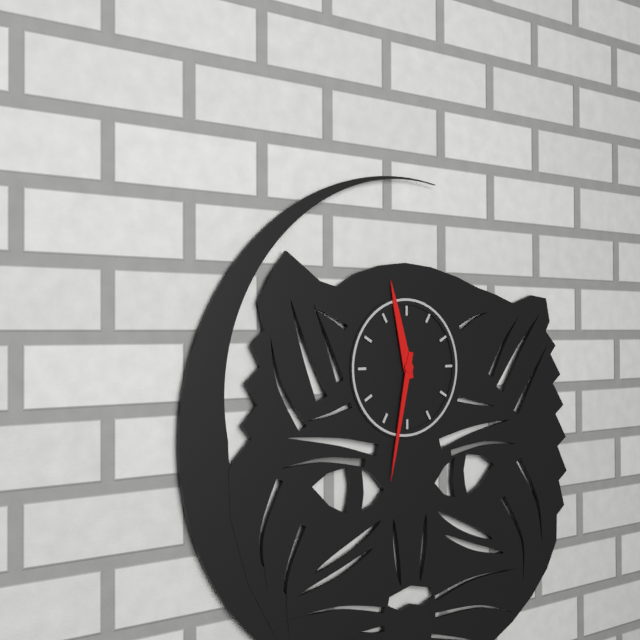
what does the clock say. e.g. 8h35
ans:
11h32
